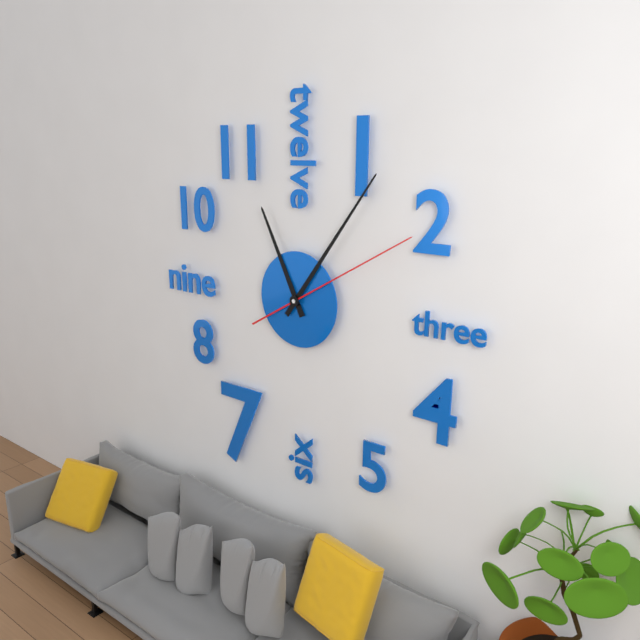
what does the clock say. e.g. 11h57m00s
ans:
11h06m10s
